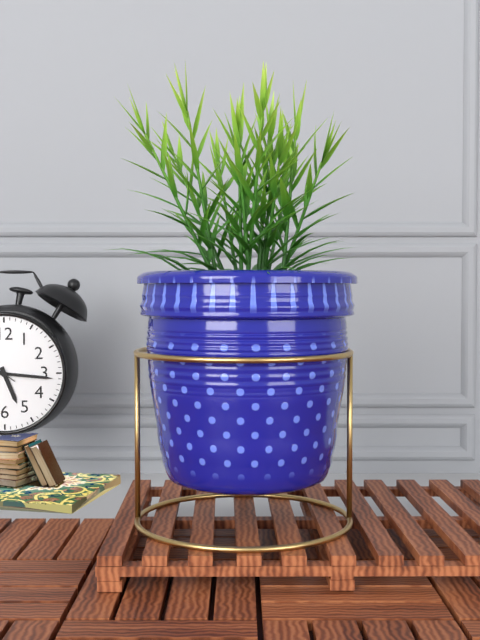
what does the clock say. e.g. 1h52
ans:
5h16
